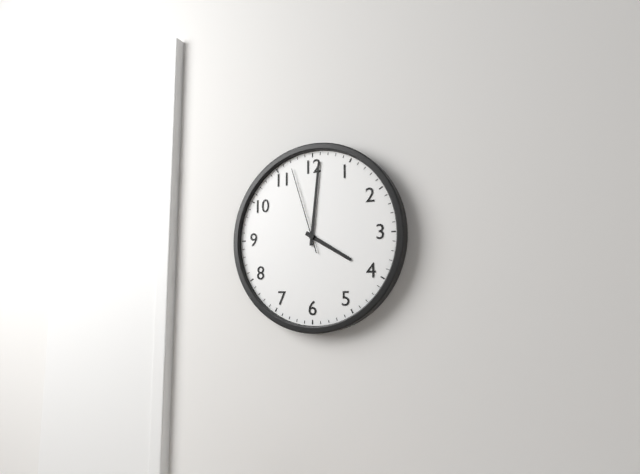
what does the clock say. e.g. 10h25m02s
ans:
4h01m57s
